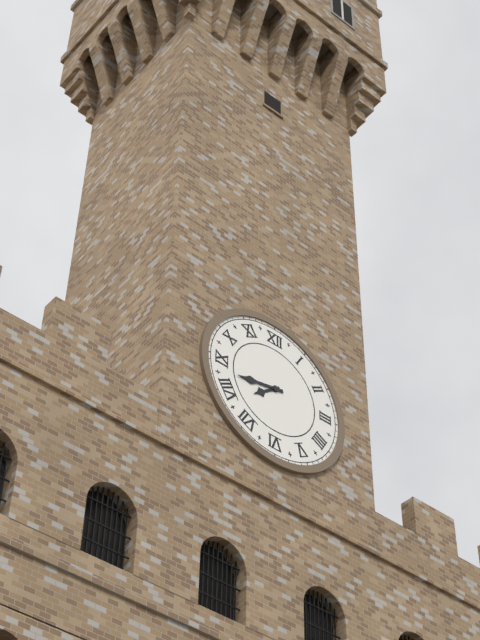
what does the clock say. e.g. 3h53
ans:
7h43
